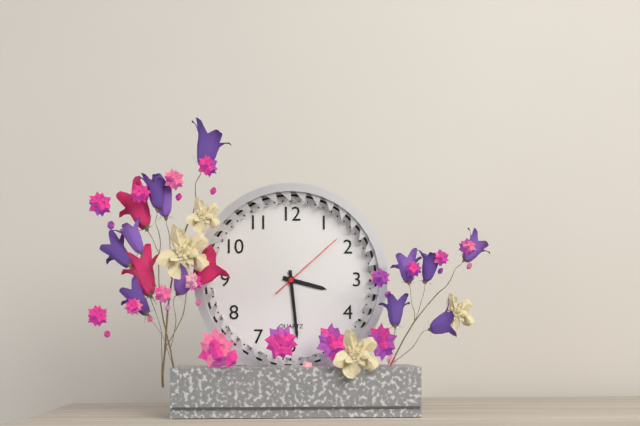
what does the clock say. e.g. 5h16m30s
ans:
3h29m08s
